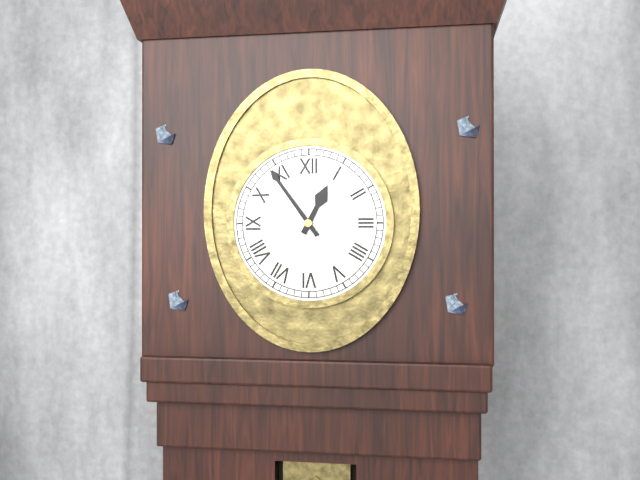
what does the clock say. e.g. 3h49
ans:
12h54
